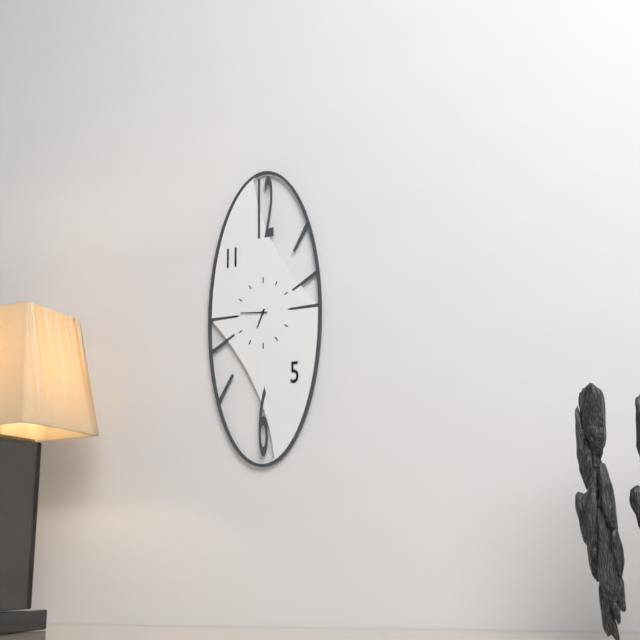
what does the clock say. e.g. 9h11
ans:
6h46
